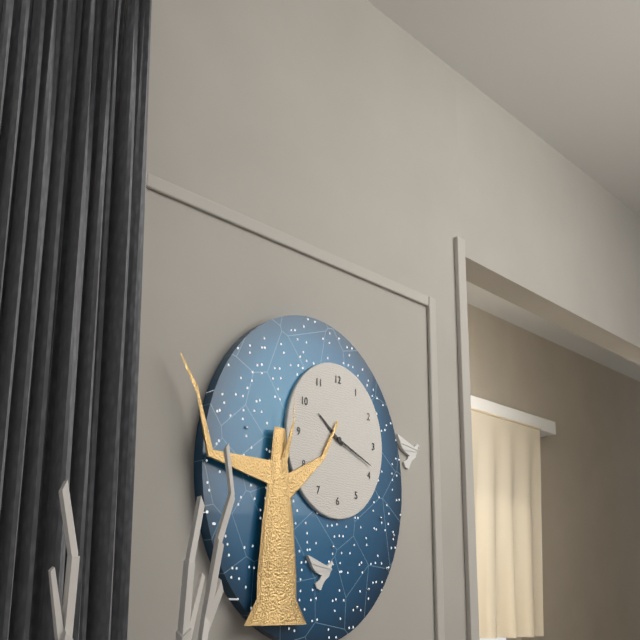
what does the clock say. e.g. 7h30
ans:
10h19
